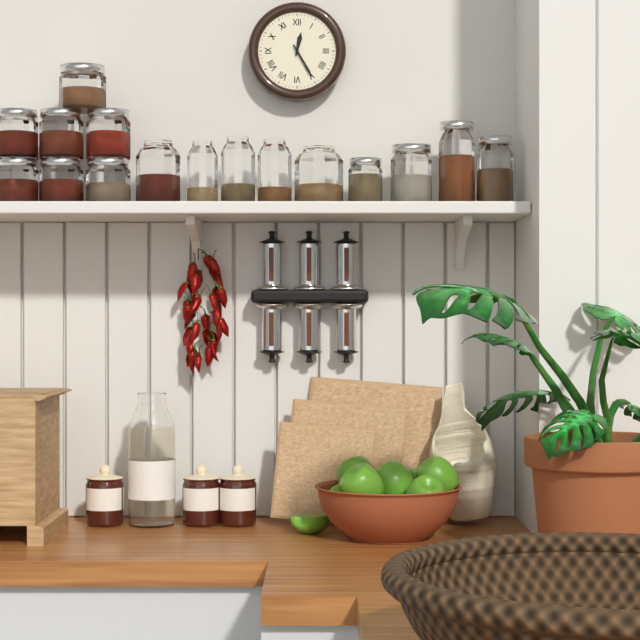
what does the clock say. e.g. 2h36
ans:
12h25
